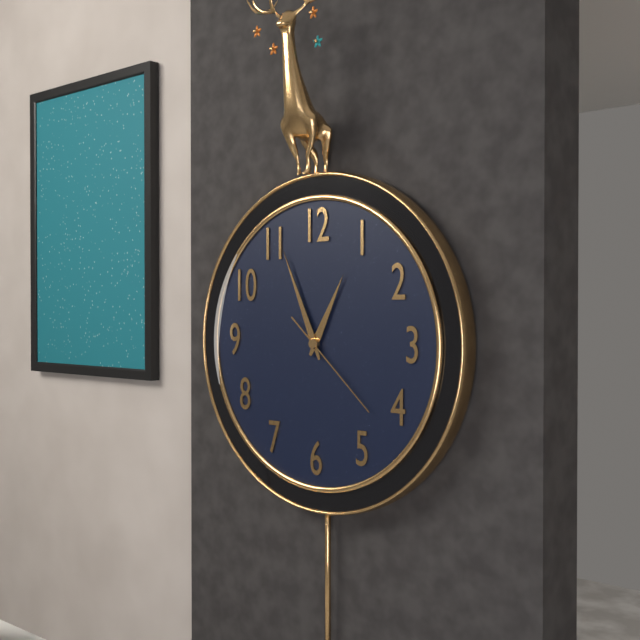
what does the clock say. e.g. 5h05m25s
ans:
12h56m22s
